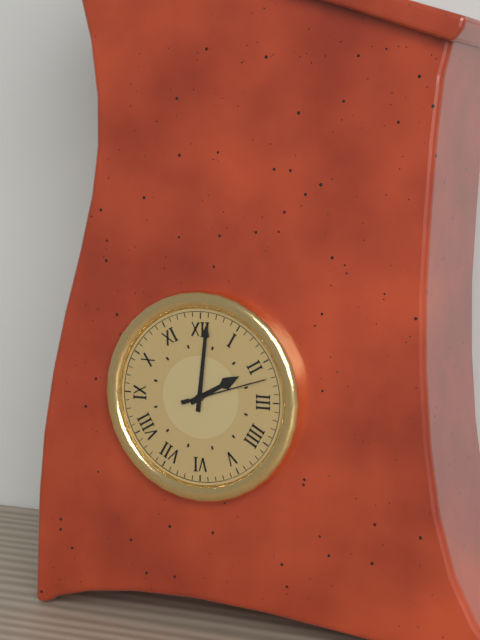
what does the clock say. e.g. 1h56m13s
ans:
2h01m12s
